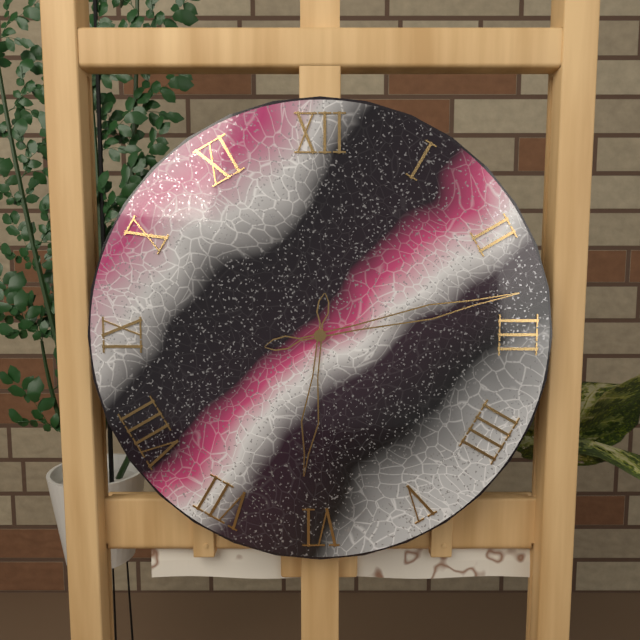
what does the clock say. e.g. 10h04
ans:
6h13
